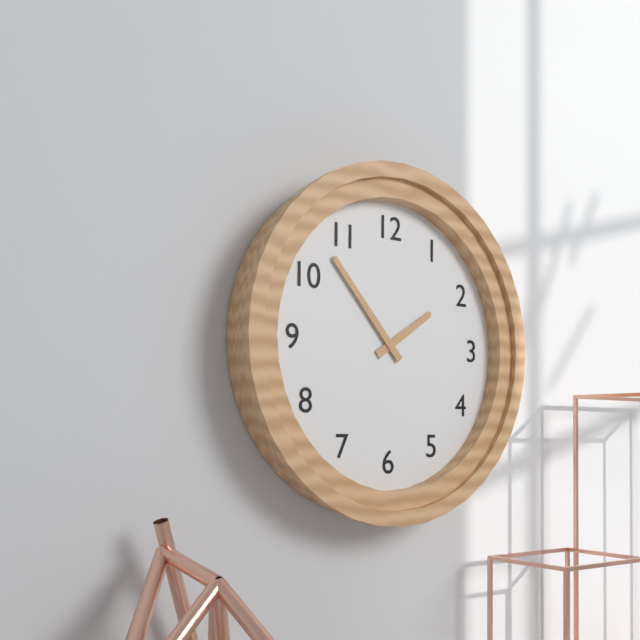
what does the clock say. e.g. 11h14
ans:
1h53
